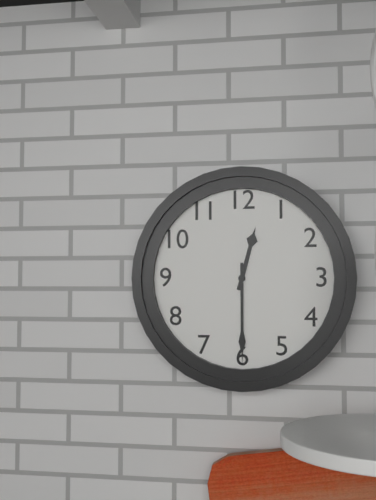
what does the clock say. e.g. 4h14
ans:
12h30
